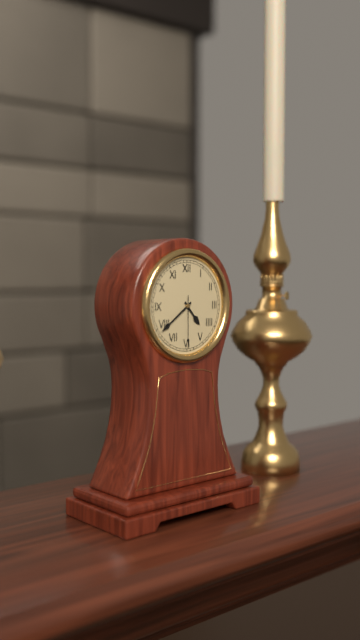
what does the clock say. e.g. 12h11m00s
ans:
4h39m30s
